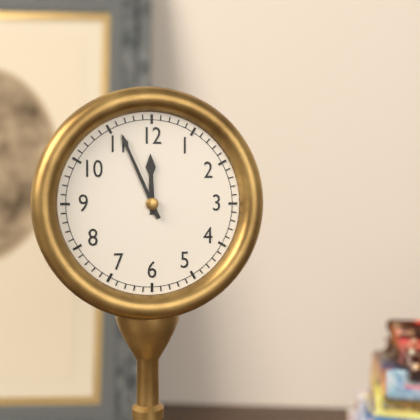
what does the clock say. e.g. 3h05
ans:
11h56
